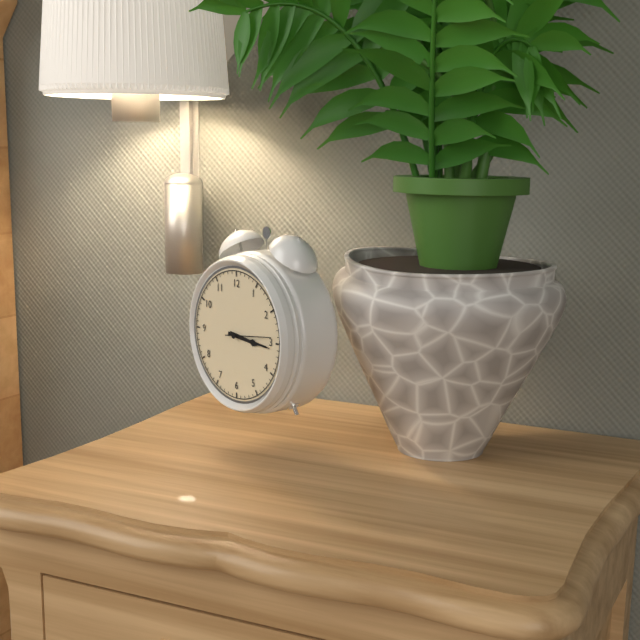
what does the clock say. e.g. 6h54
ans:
3h16
